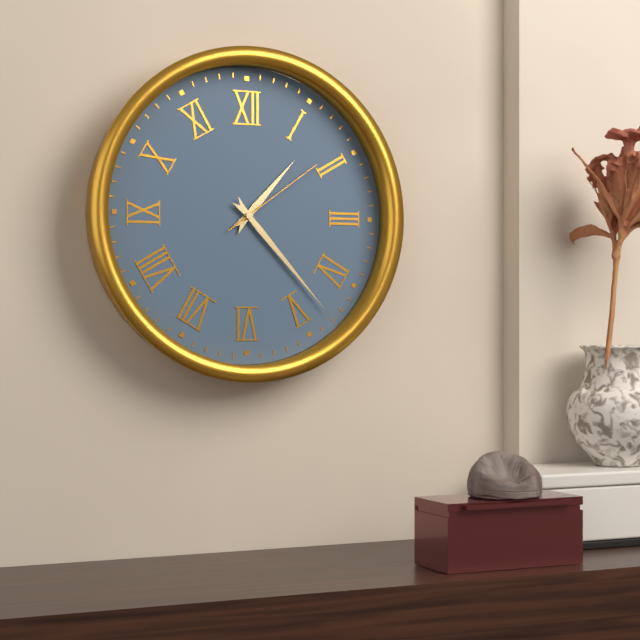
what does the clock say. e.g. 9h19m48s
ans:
1h23m09s
